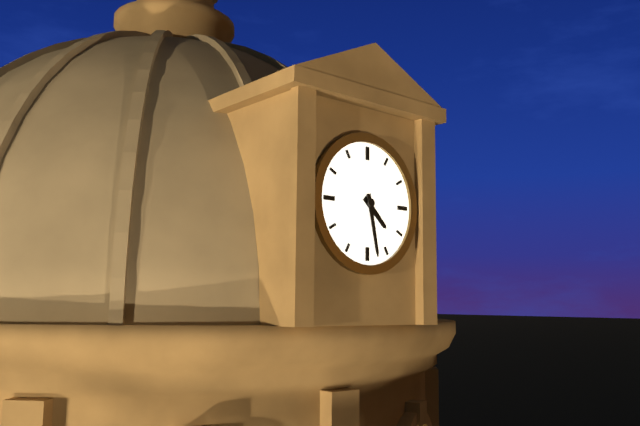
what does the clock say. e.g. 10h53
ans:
4h28
